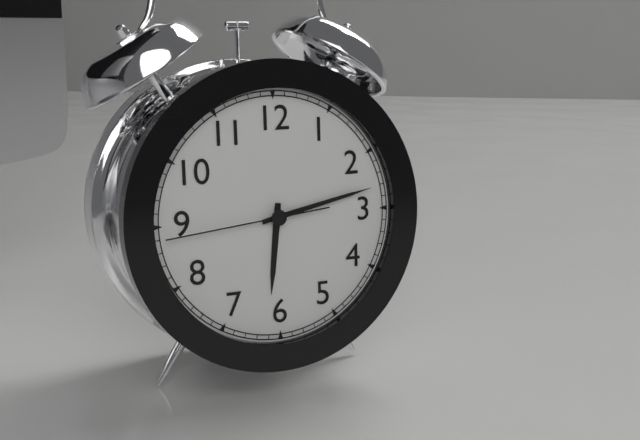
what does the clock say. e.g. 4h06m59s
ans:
6h13m44s
